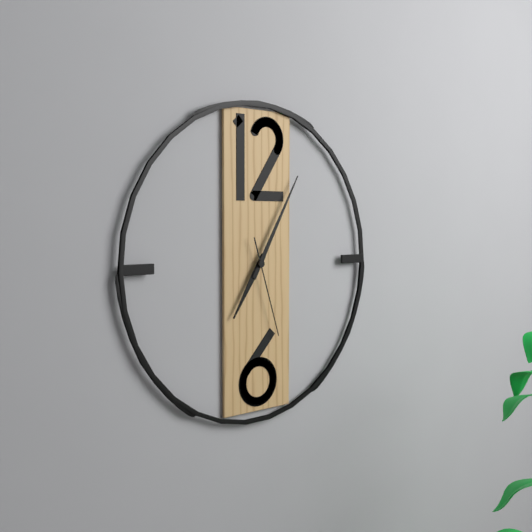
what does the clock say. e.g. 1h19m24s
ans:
7h05m27s
